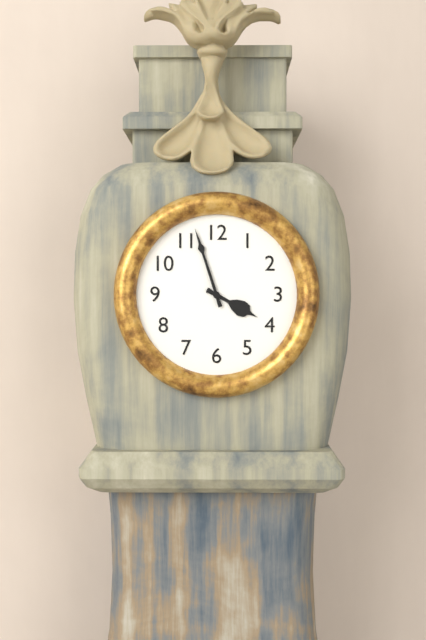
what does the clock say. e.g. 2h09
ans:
3h57
